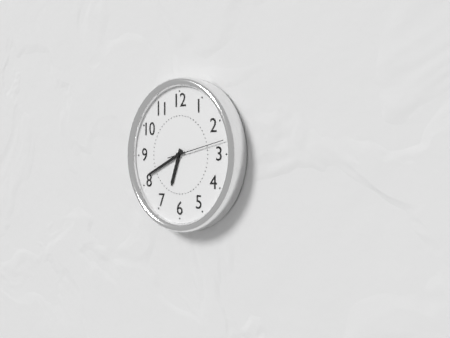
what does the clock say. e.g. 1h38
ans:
6h41
